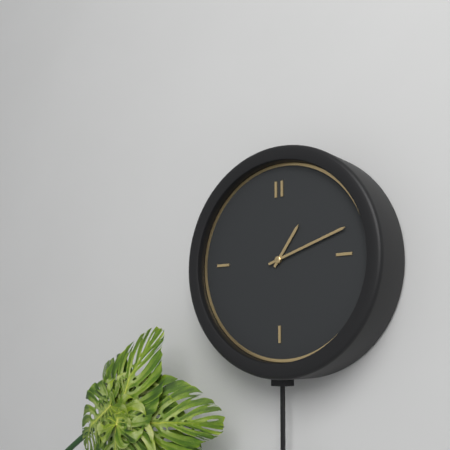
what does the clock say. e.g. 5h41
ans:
1h12
